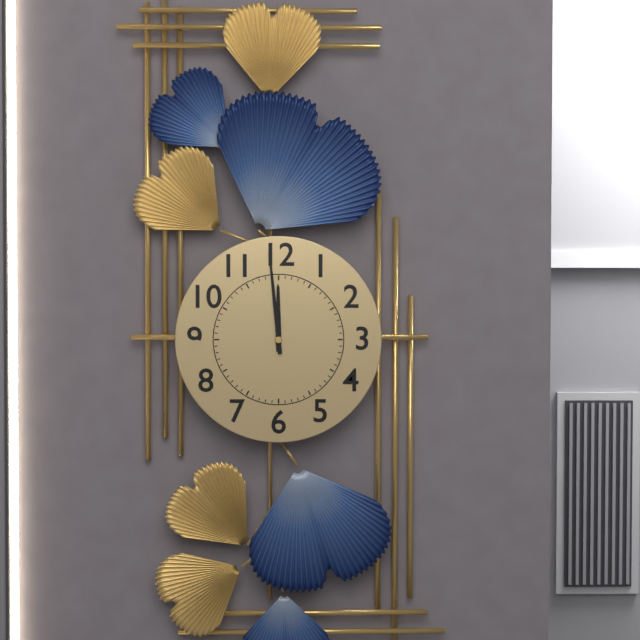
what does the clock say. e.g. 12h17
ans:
11h59
